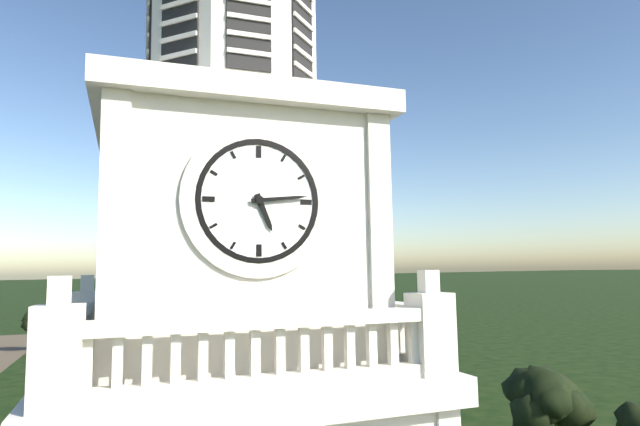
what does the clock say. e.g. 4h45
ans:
5h14
